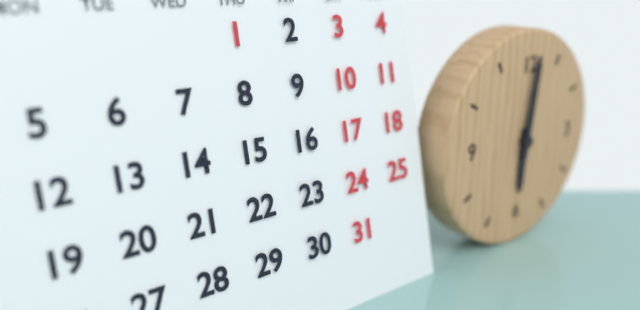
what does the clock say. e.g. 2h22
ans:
6h01
